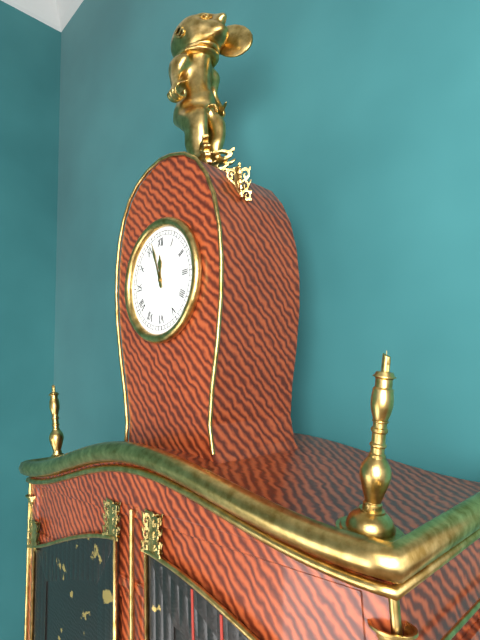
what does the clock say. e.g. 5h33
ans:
11h57
